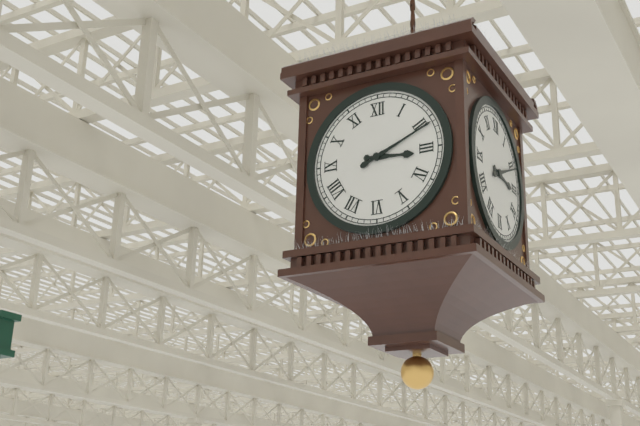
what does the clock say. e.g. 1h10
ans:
3h11
